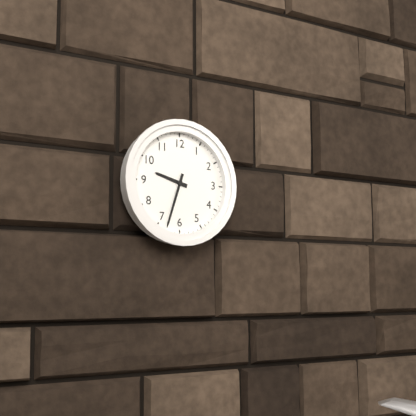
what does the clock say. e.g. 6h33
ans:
9h33
